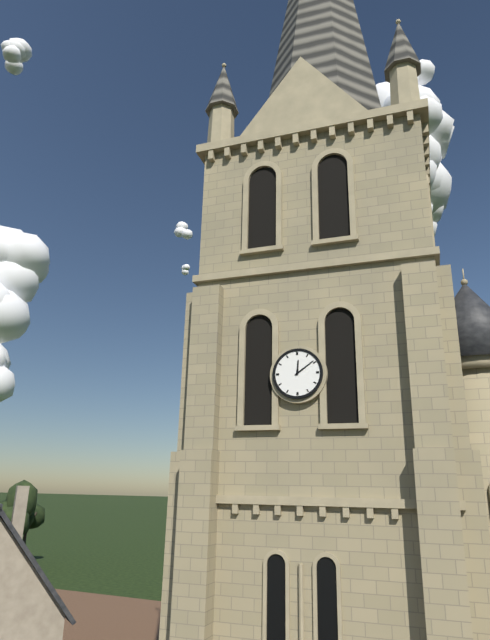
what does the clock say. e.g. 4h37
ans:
12h09
